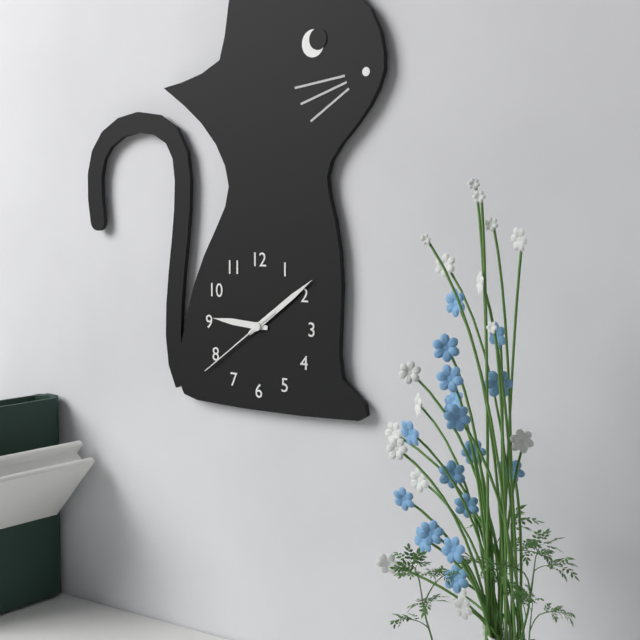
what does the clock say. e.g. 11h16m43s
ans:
9h09m39s
